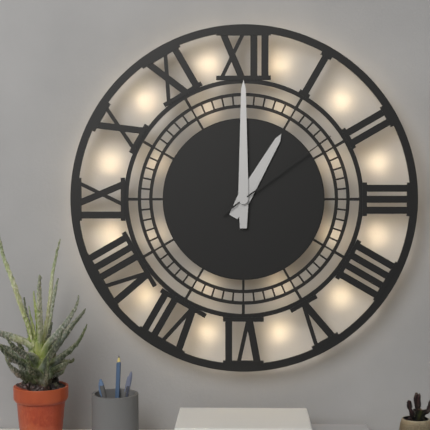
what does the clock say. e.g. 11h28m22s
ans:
1h00m09s
